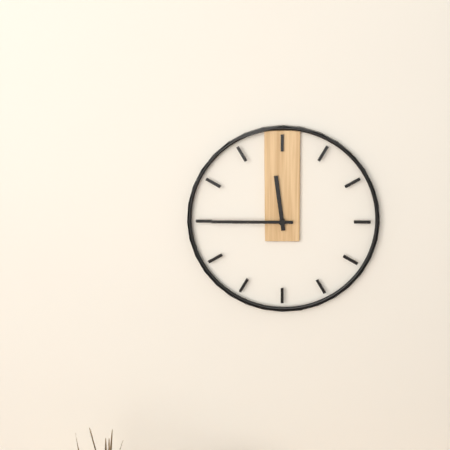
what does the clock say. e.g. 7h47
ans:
11h45
